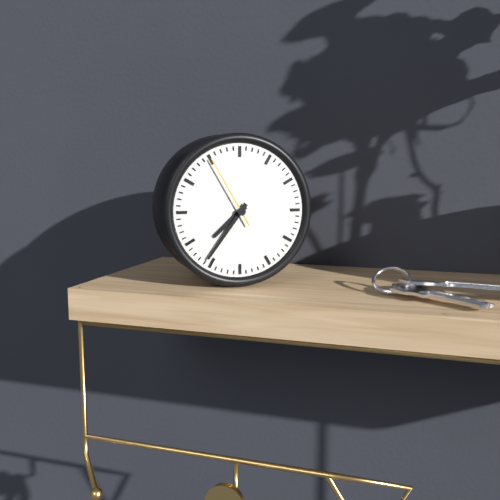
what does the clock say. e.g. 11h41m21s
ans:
7h36m55s
